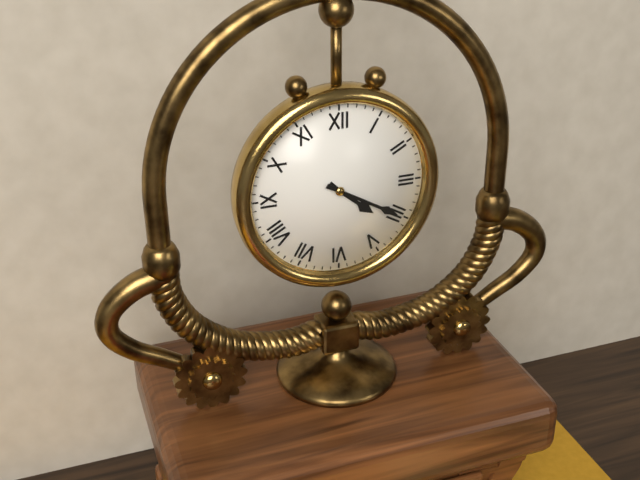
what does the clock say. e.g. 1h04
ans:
4h20
